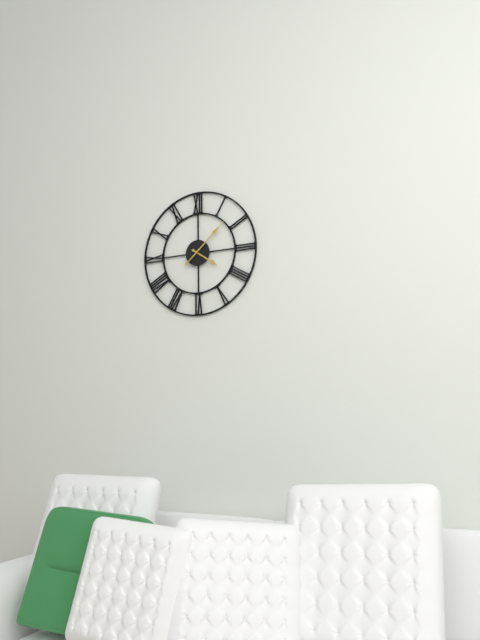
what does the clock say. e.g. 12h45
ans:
4h08
